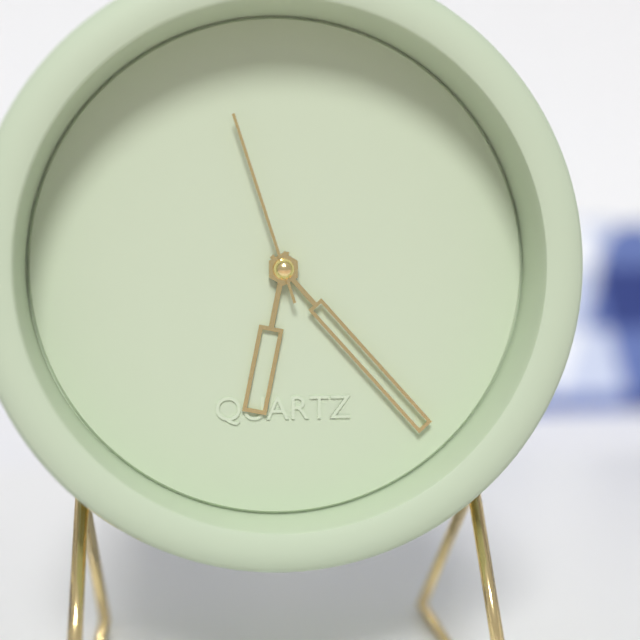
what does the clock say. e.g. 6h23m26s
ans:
6h23m57s
